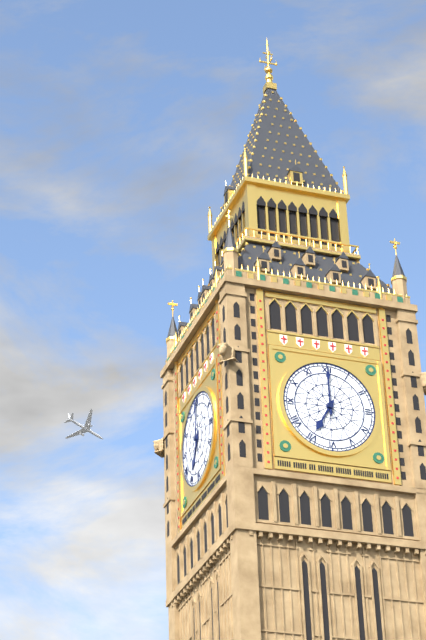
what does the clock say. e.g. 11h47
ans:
7h00
